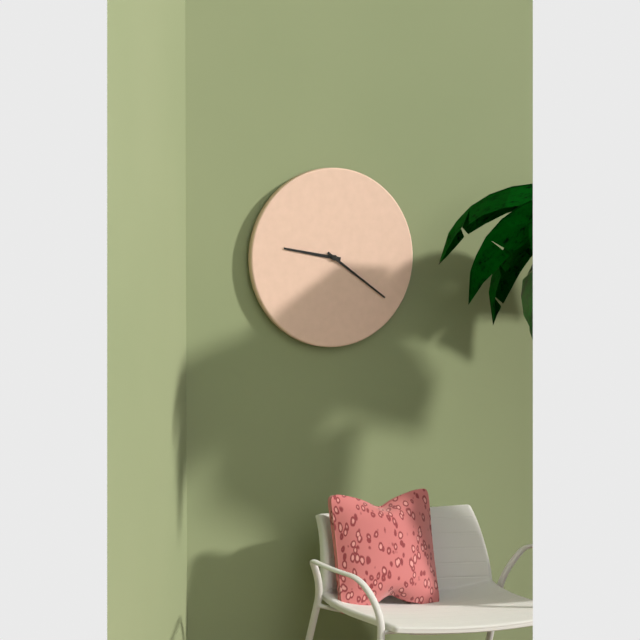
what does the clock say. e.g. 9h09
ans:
9h21
